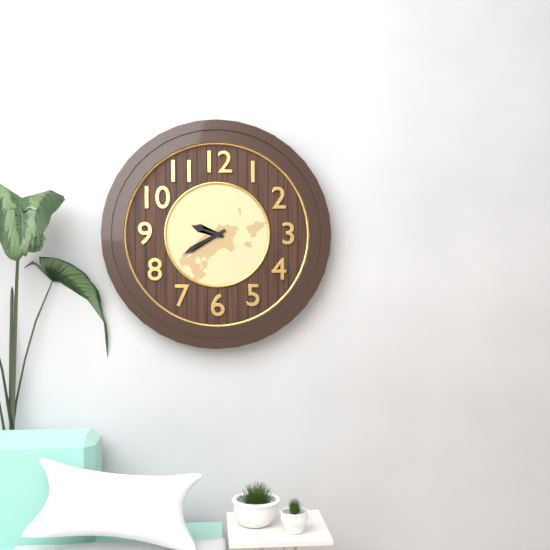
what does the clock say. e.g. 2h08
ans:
9h40
